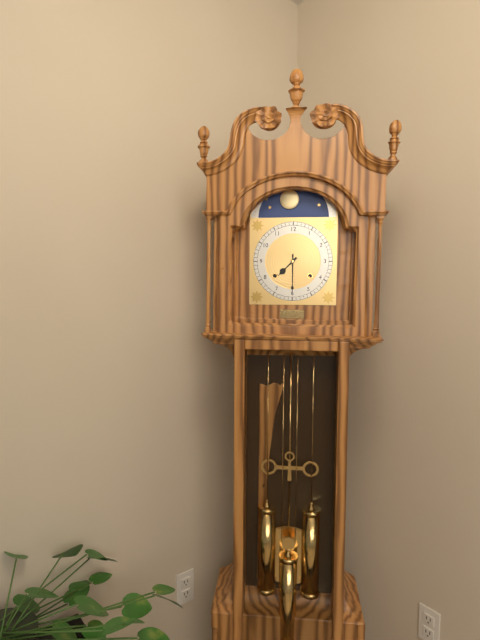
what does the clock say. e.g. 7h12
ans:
7h30
